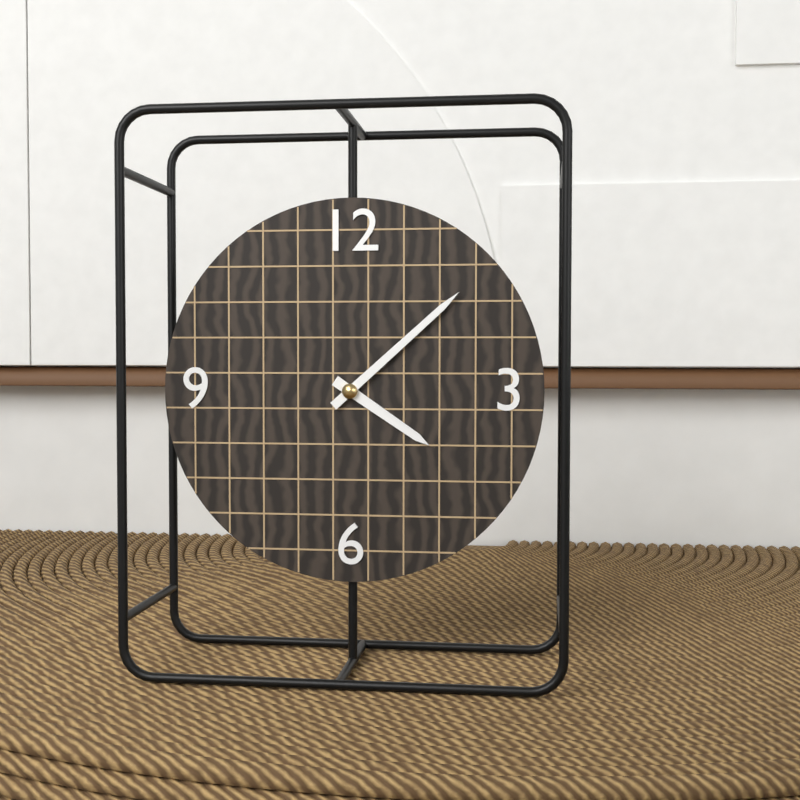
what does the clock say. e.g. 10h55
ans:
4h08
